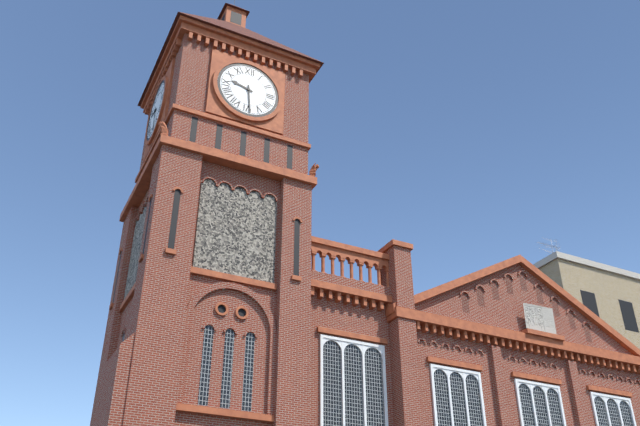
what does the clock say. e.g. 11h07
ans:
9h29
